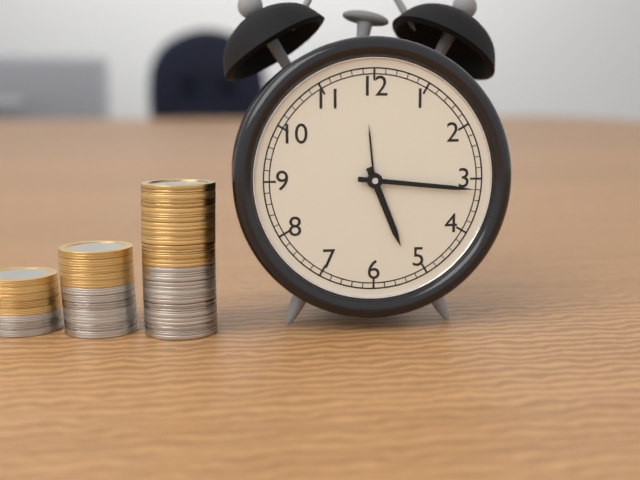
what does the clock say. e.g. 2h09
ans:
5h16
